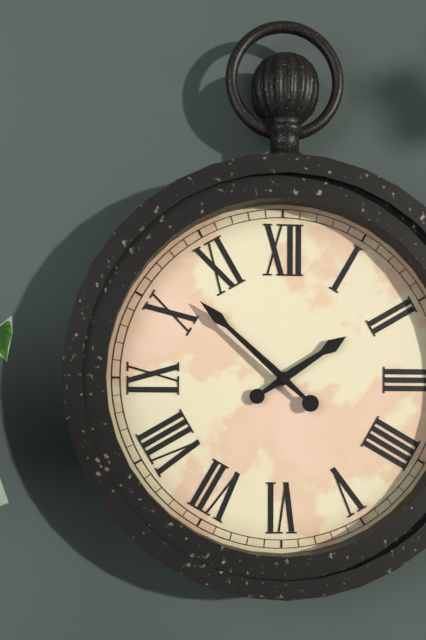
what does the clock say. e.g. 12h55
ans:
1h52
